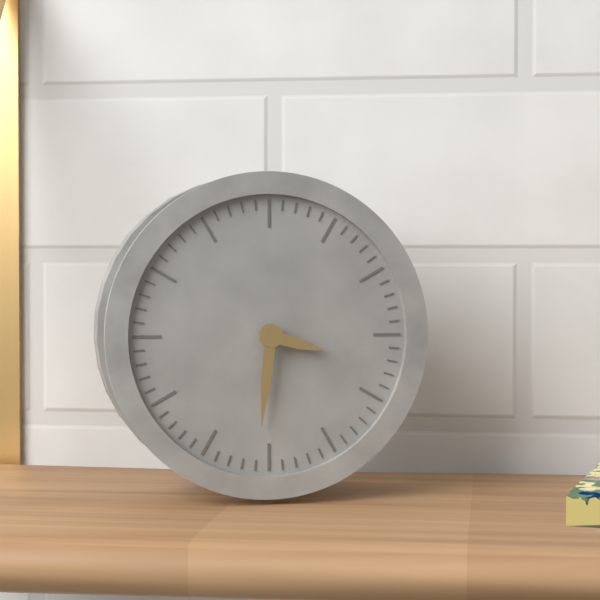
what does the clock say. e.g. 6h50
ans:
3h31
